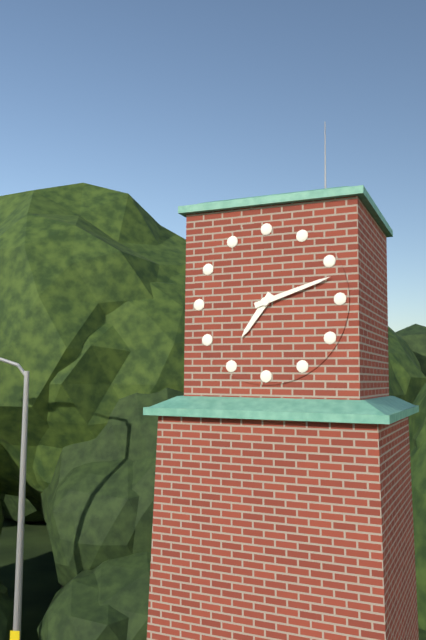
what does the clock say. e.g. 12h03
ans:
7h12
